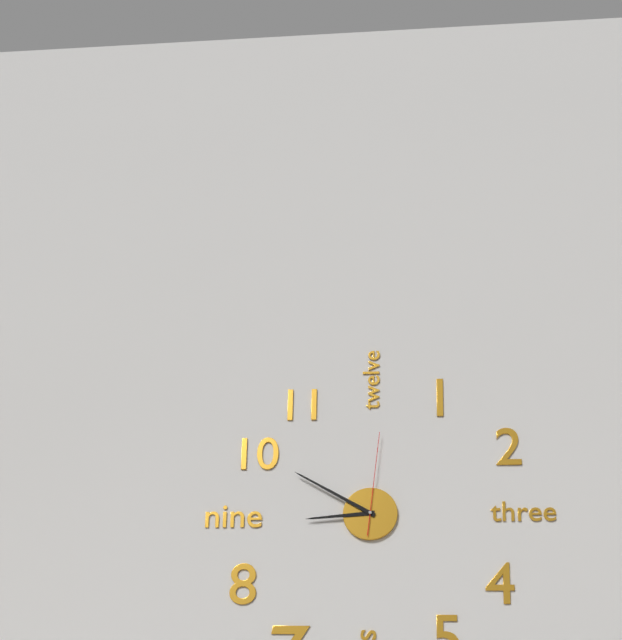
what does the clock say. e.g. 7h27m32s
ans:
8h50m01s
